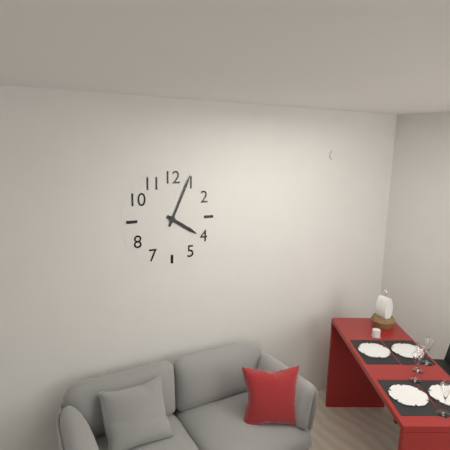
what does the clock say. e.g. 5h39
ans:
4h04
